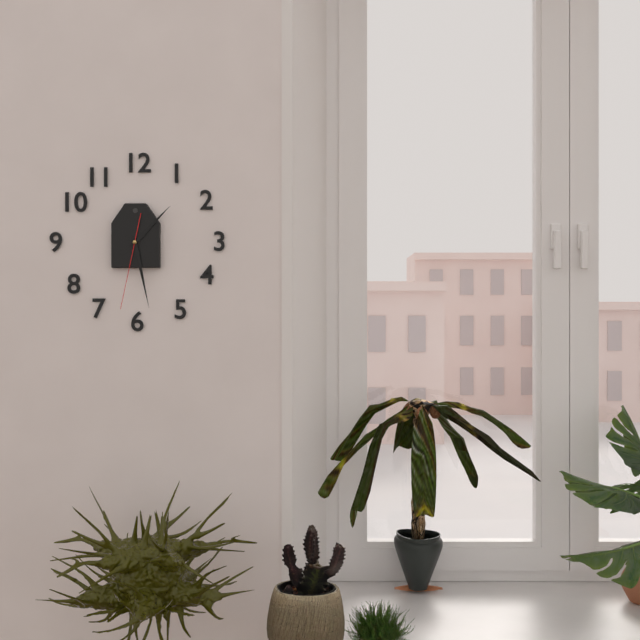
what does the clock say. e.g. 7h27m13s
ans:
1h28m32s
